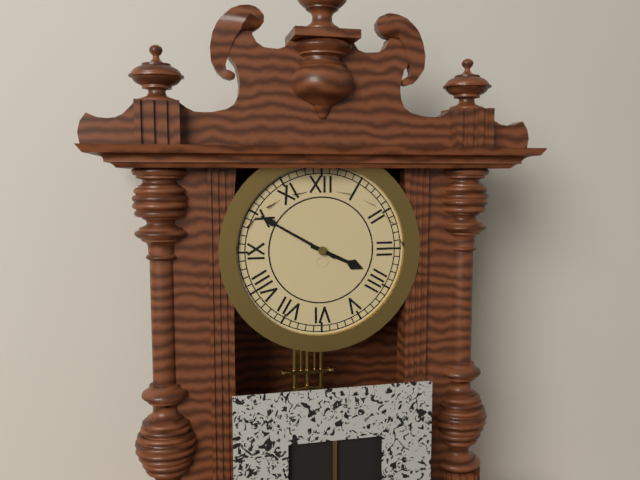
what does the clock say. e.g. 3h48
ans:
3h50
